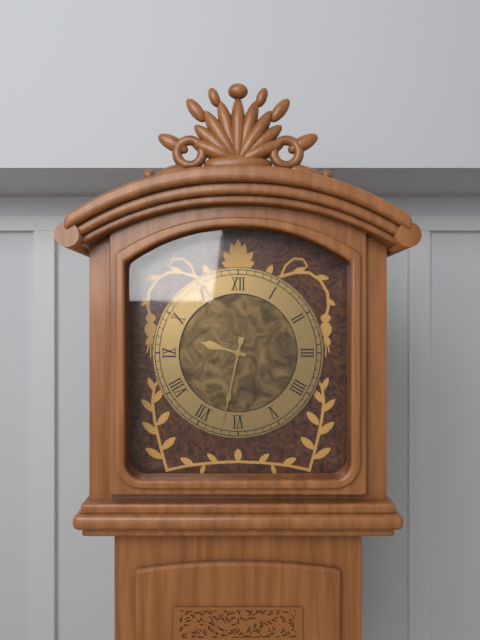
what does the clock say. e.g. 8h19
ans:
9h32
